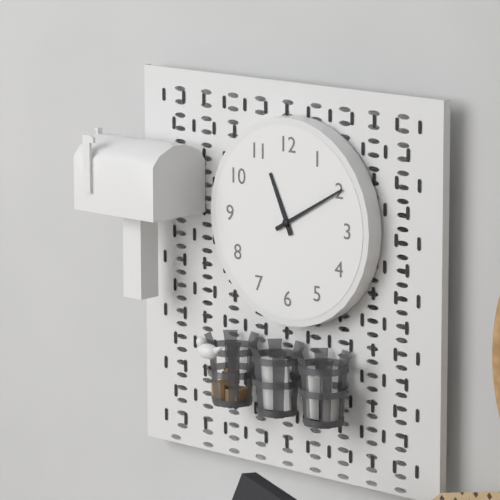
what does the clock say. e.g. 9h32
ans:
11h10
